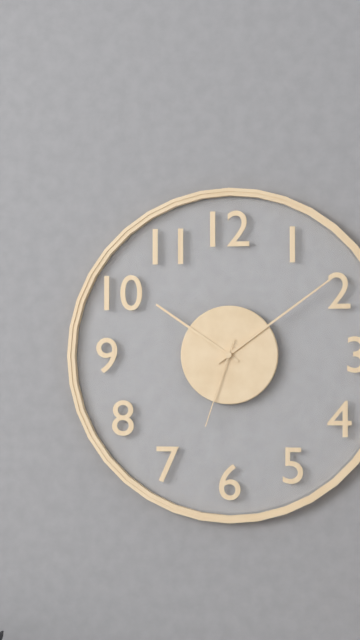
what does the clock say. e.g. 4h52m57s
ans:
10h09m33s
